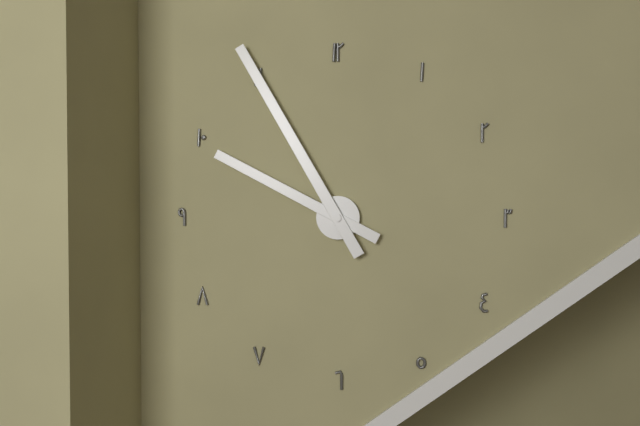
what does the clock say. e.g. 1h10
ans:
9h55
